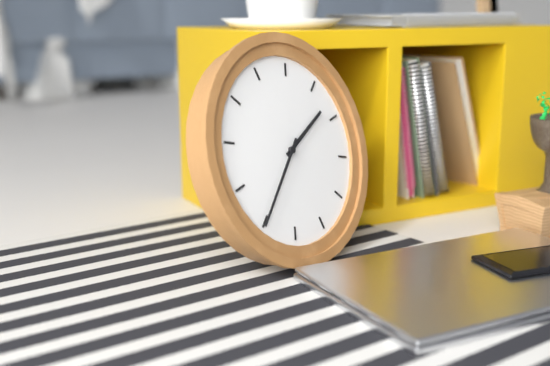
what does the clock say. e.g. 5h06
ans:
1h35
